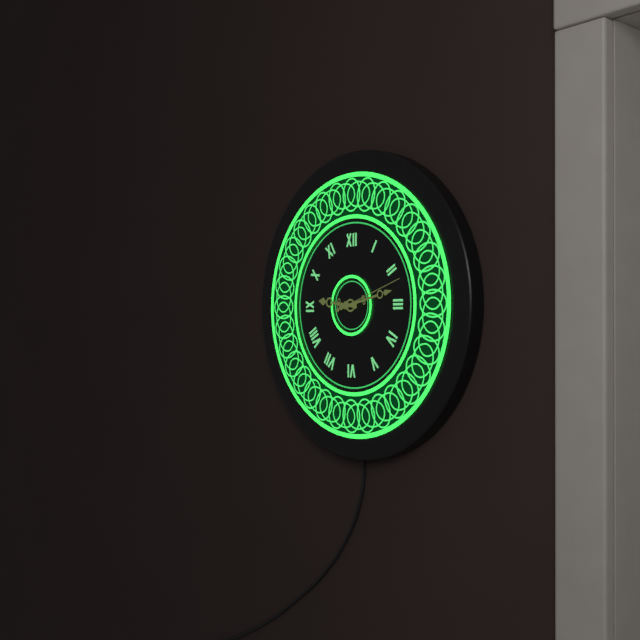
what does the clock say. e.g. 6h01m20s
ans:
9h13m12s
